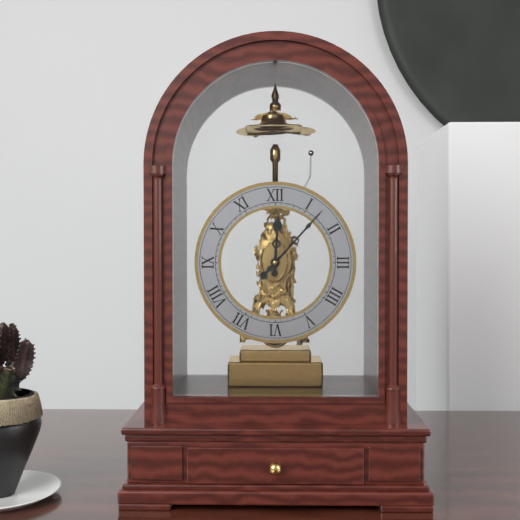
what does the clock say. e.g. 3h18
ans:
12h07
